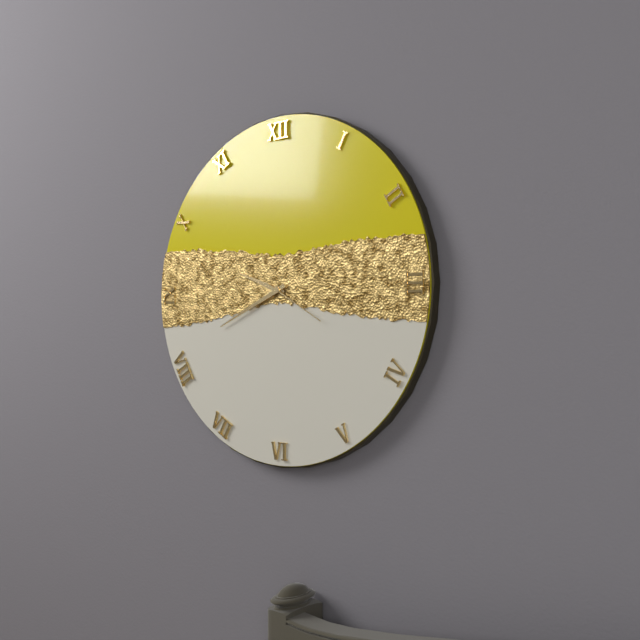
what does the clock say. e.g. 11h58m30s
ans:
9h41m20s
